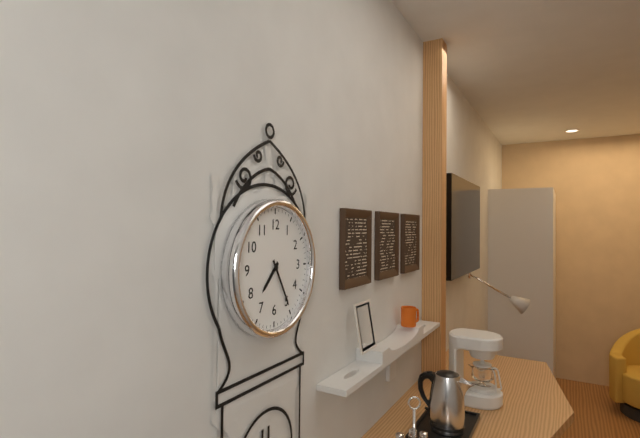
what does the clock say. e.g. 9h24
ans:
7h25
